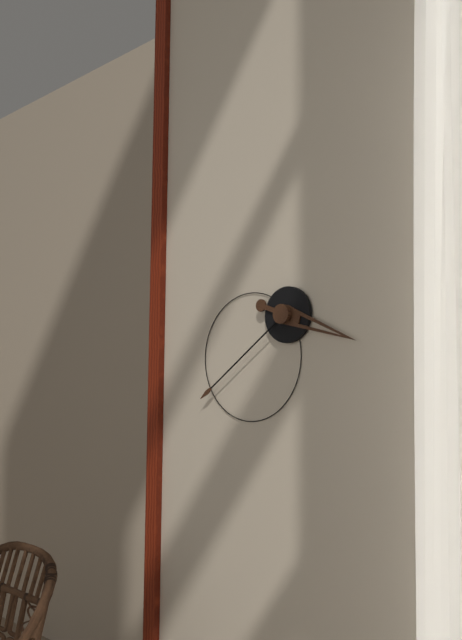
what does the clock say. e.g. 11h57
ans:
3h39
